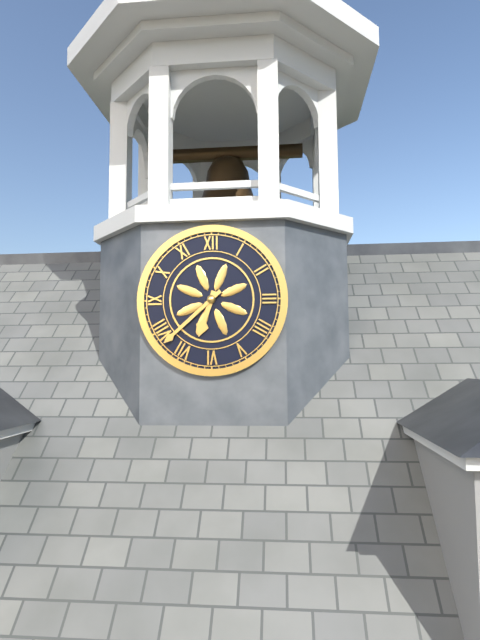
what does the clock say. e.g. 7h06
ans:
6h38
